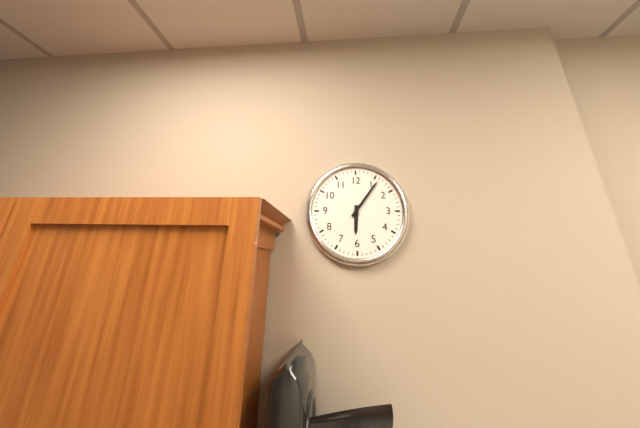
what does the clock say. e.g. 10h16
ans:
6h06
